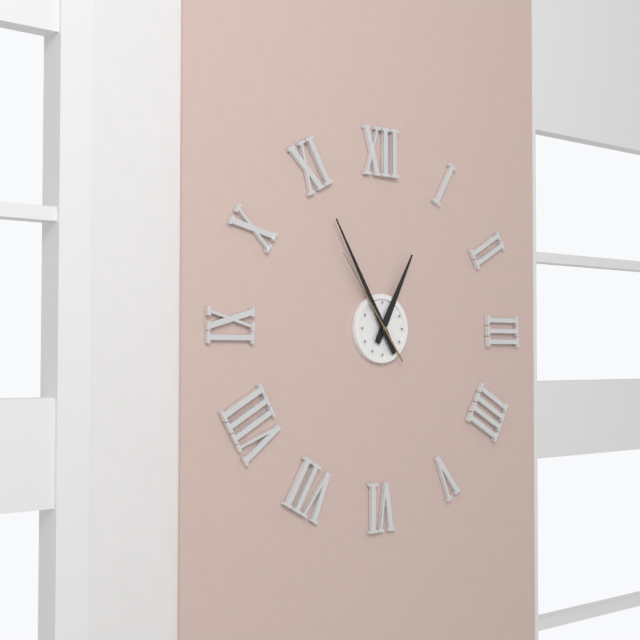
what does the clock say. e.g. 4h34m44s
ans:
12h55m54s
